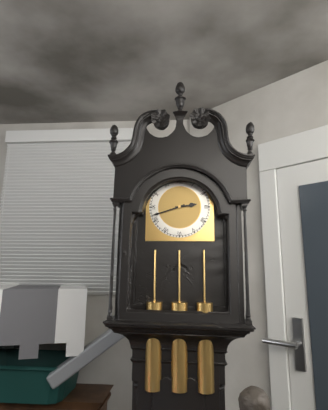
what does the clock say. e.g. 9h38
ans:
2h42
